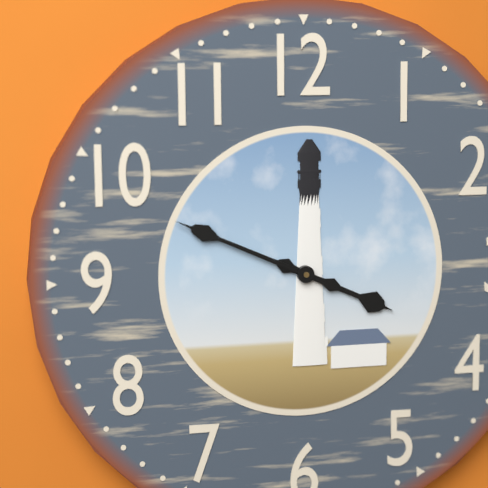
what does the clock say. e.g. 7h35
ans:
3h49
